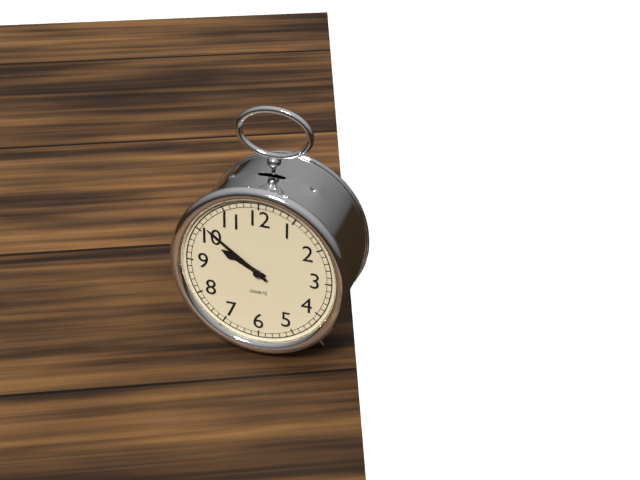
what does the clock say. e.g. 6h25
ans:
9h51
